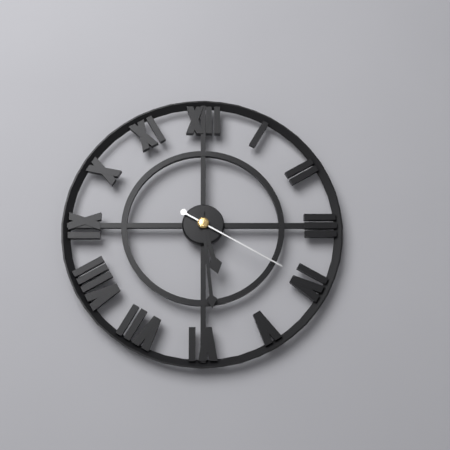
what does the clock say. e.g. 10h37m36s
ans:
5h29m20s
